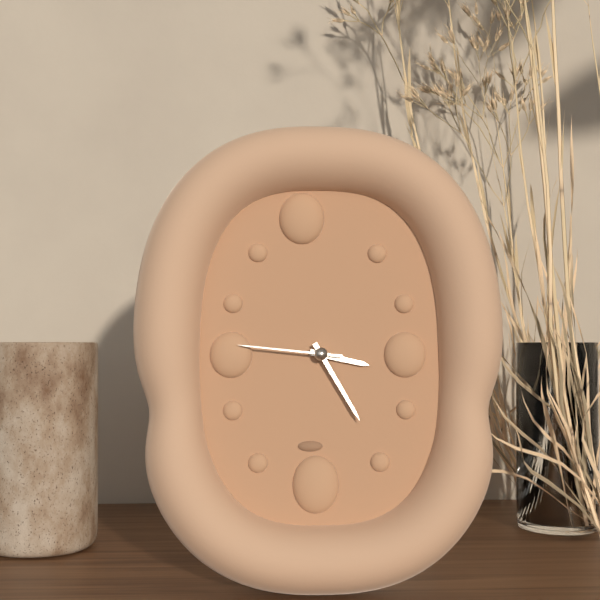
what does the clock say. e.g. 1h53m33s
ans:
3h25m46s
